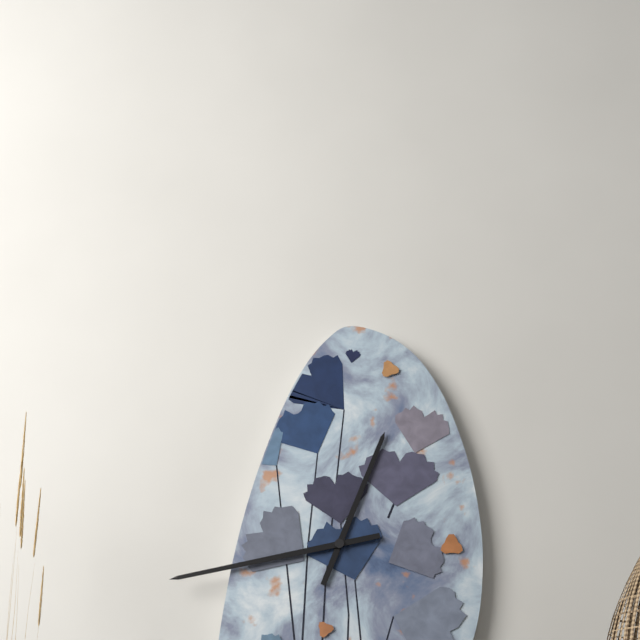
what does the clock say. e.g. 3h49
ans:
12h43
